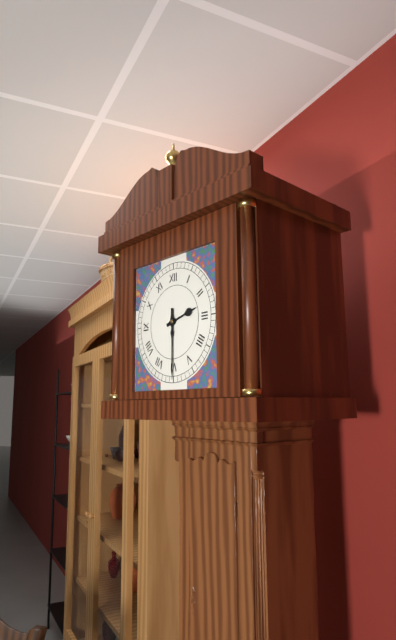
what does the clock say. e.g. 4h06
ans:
2h30
